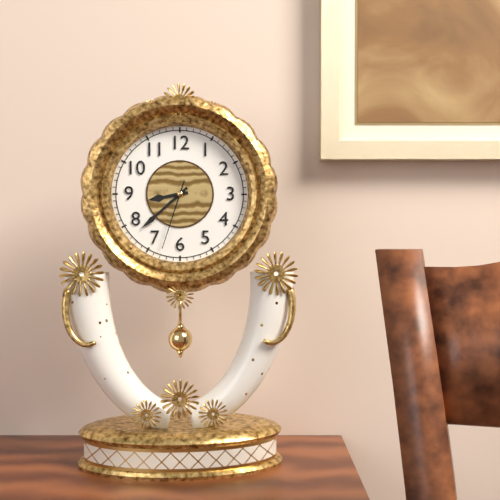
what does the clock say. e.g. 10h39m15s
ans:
8h38m33s
